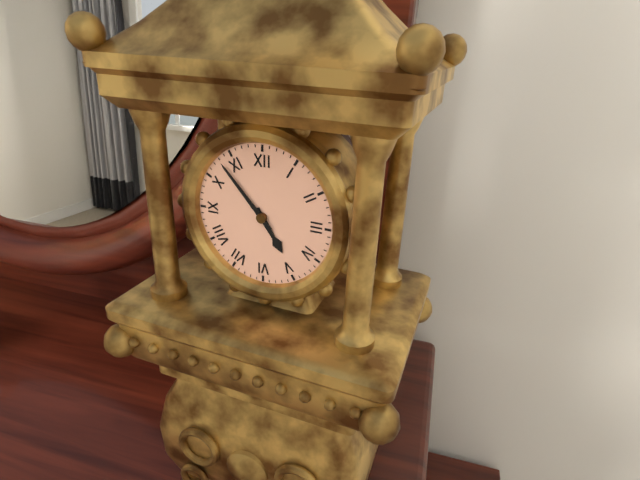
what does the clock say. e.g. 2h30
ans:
4h53
